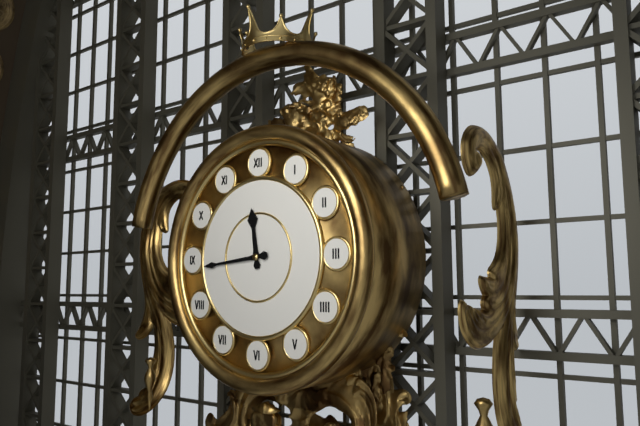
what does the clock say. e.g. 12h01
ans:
11h44
